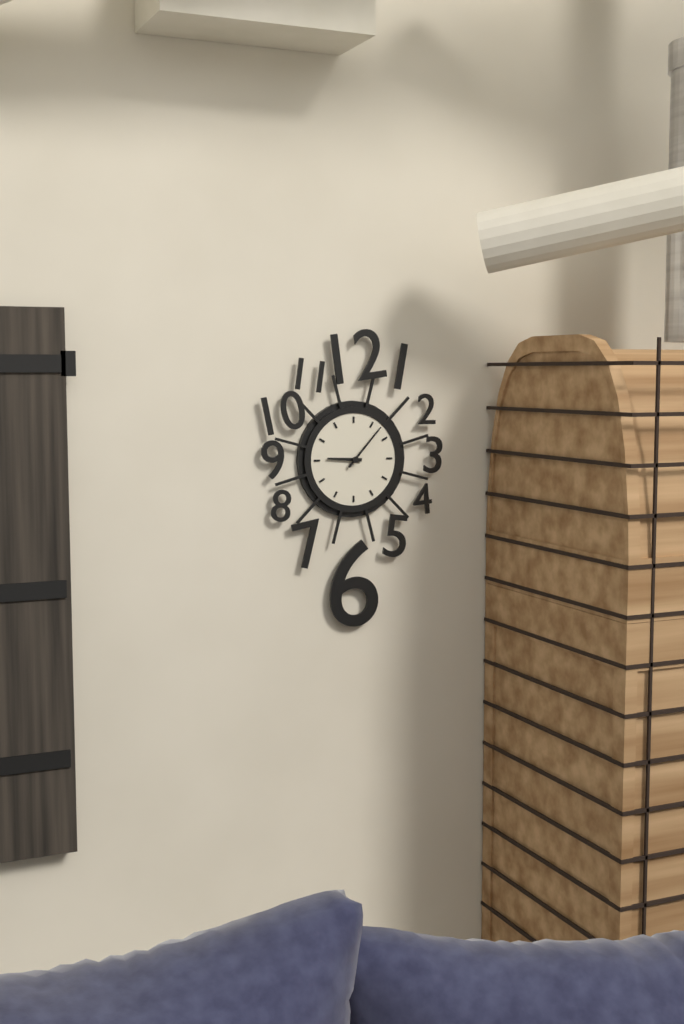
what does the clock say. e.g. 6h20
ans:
9h07
